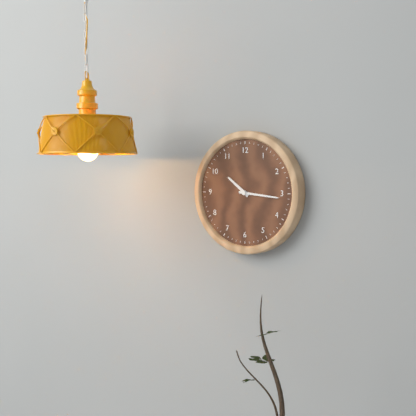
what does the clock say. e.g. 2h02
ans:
10h16
